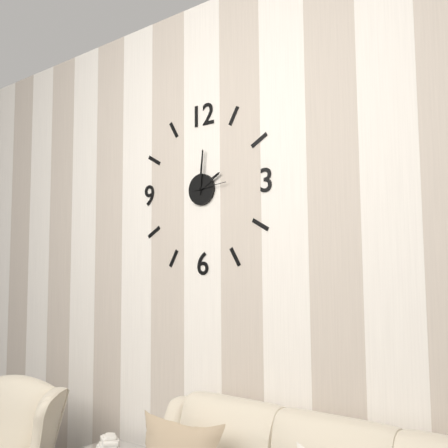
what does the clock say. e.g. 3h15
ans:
2h01
